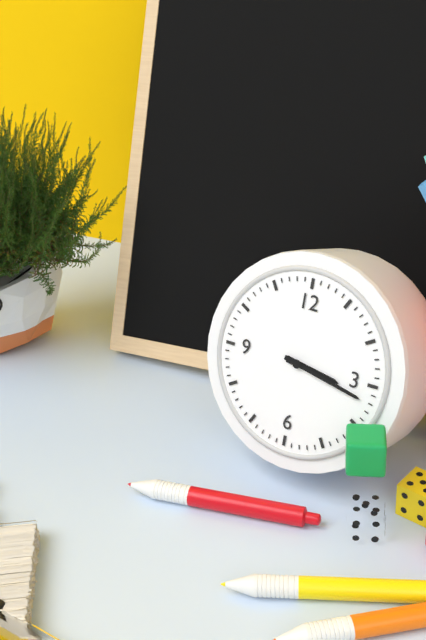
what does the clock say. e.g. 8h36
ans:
3h17
